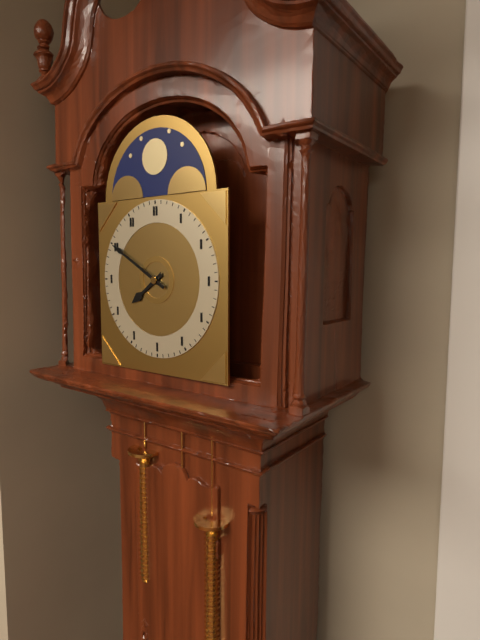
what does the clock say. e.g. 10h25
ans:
7h50
